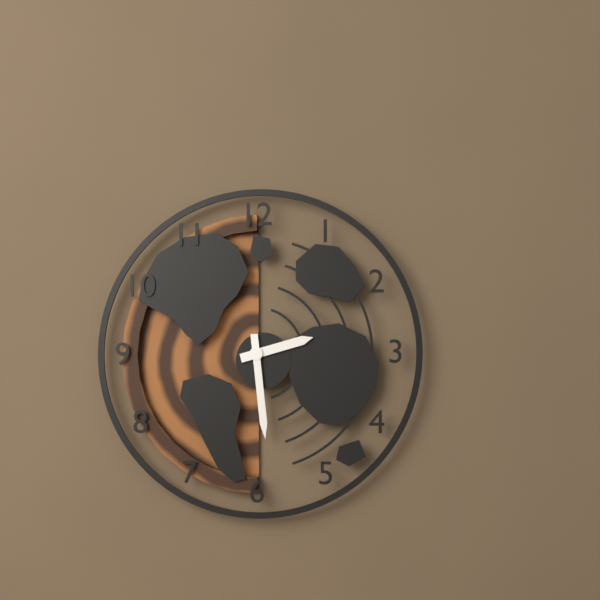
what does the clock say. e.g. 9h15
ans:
2h29
